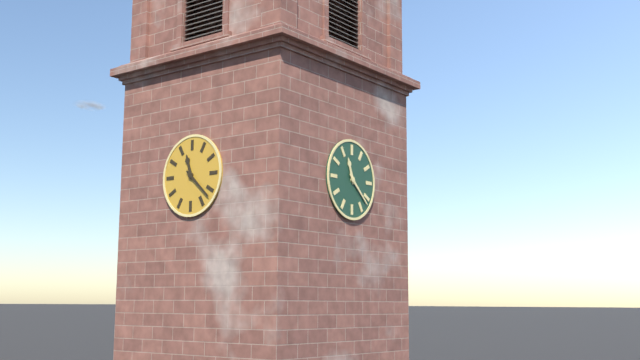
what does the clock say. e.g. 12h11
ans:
11h22
